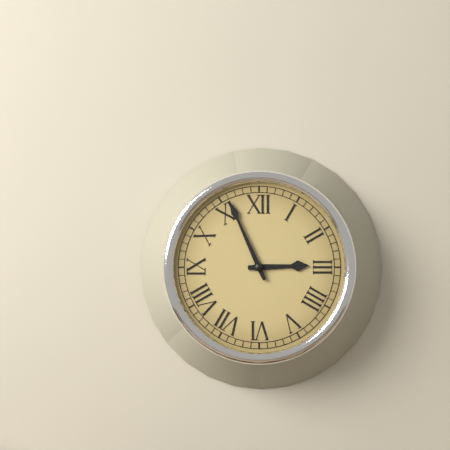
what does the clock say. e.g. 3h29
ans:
2h56
